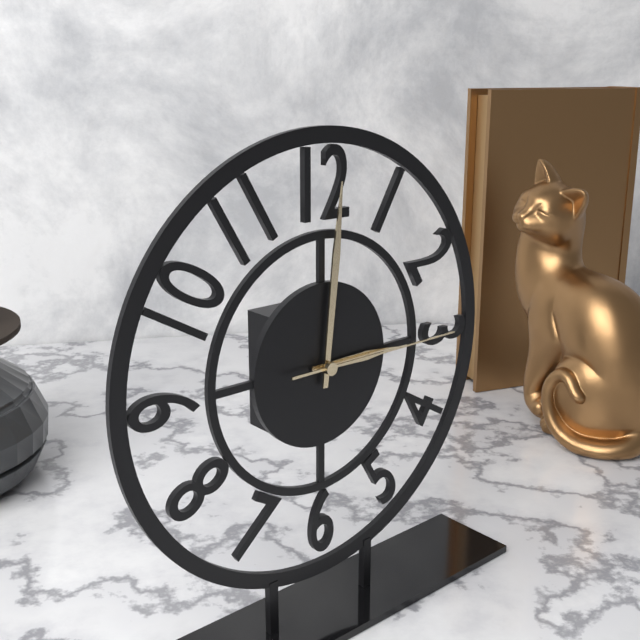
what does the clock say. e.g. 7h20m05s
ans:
3h01m15s
